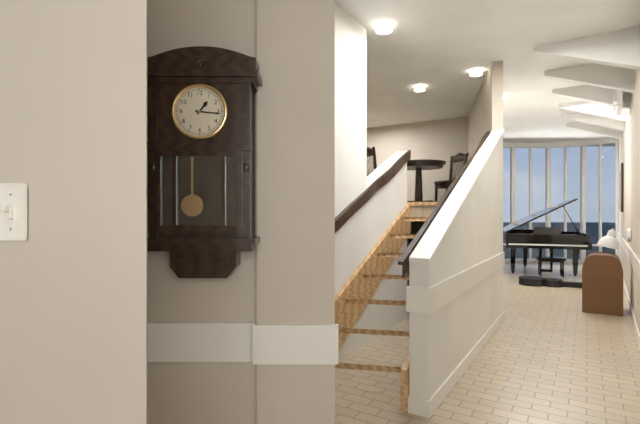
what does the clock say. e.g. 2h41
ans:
1h16
